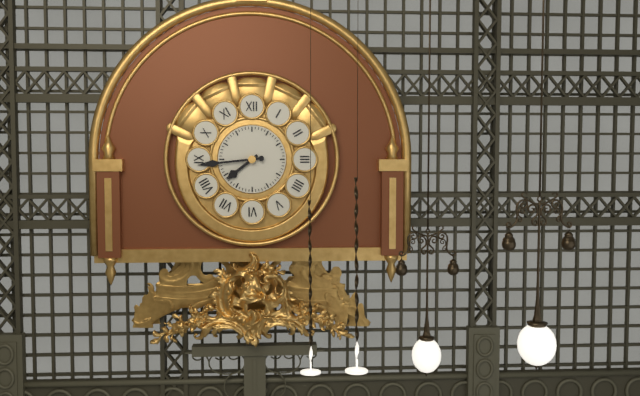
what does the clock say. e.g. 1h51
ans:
7h44
